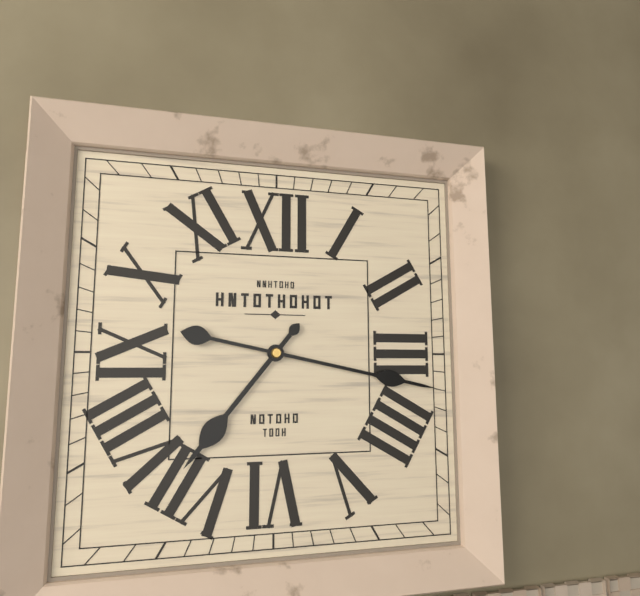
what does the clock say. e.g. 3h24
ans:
7h17
